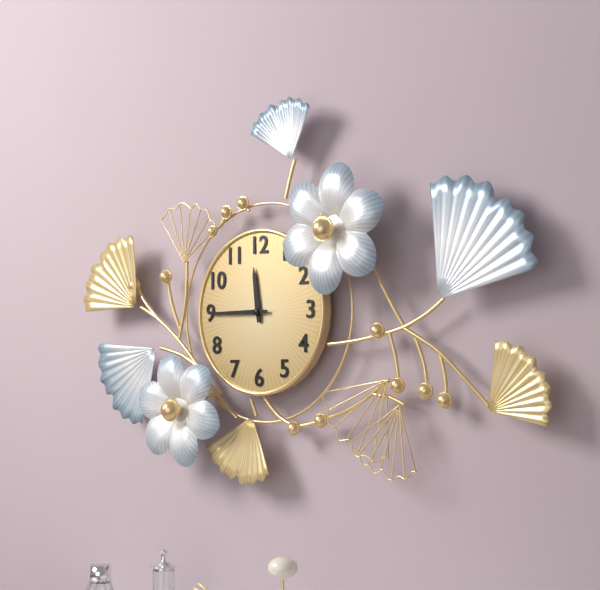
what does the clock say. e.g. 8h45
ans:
11h45
